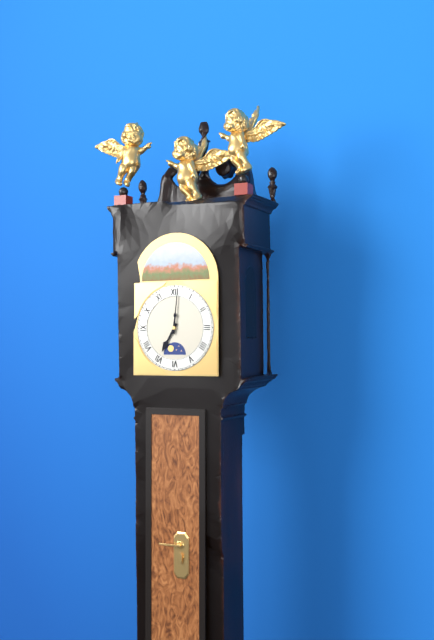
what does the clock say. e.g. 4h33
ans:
7h01
